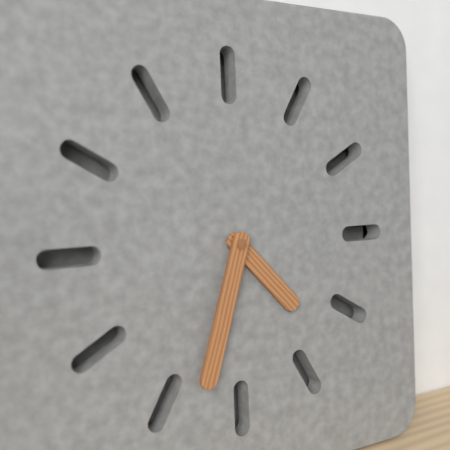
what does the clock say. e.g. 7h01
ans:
4h33
